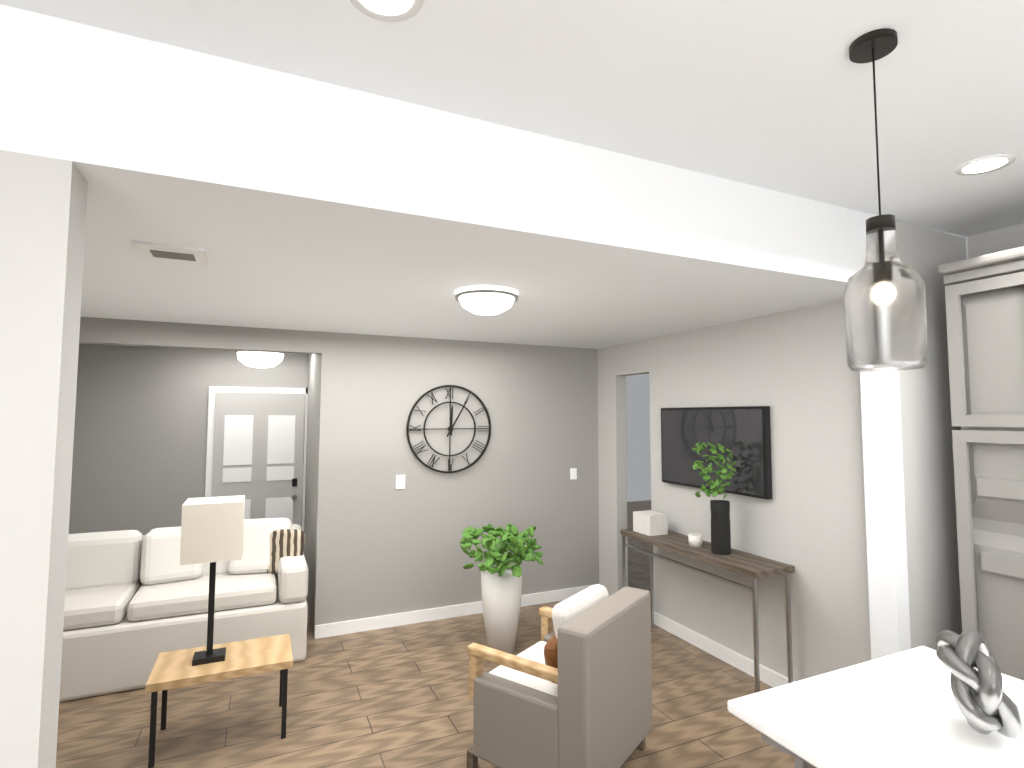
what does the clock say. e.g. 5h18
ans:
12h05
